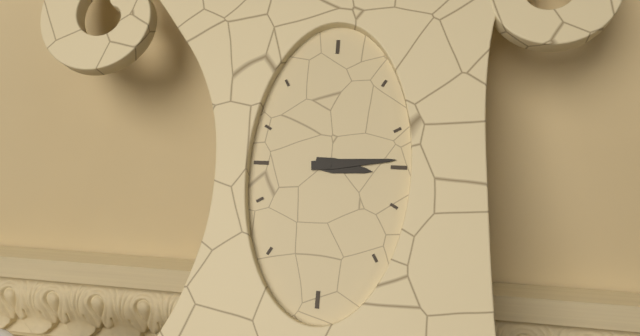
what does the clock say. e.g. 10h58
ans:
3h14
